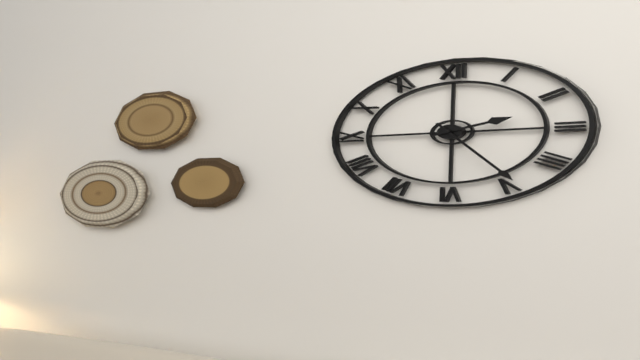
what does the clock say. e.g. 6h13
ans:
2h24
